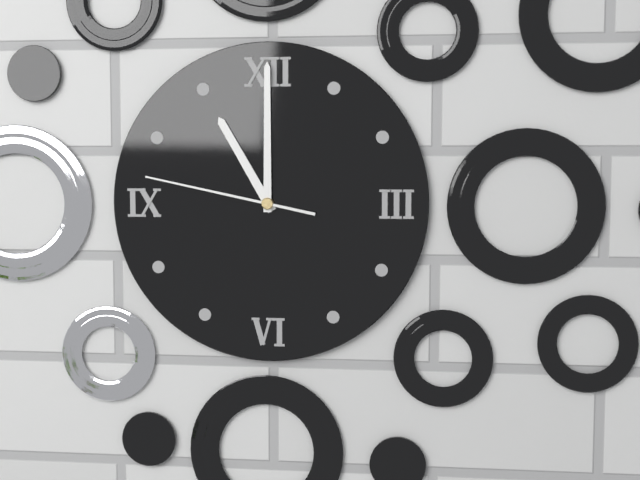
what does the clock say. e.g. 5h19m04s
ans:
11h00m47s
